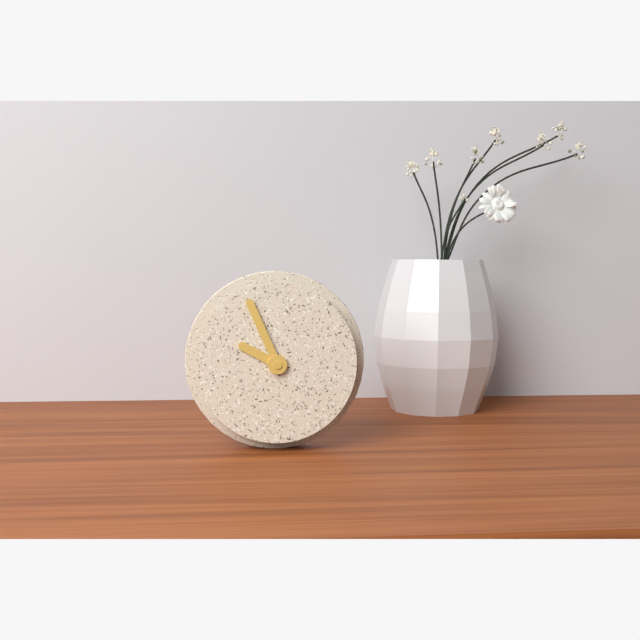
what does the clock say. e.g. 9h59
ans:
9h56
